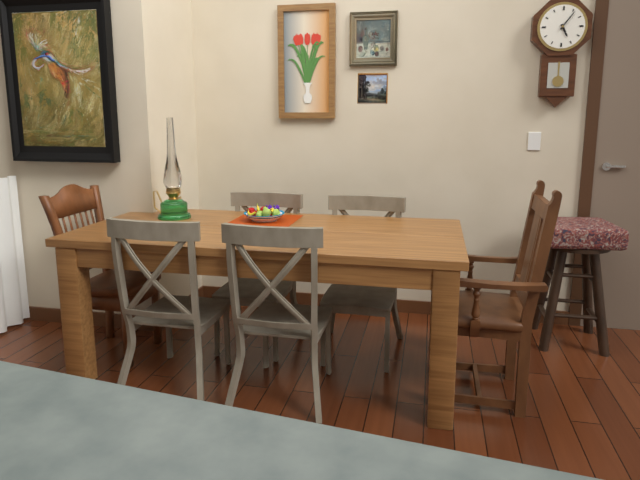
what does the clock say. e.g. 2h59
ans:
5h06
